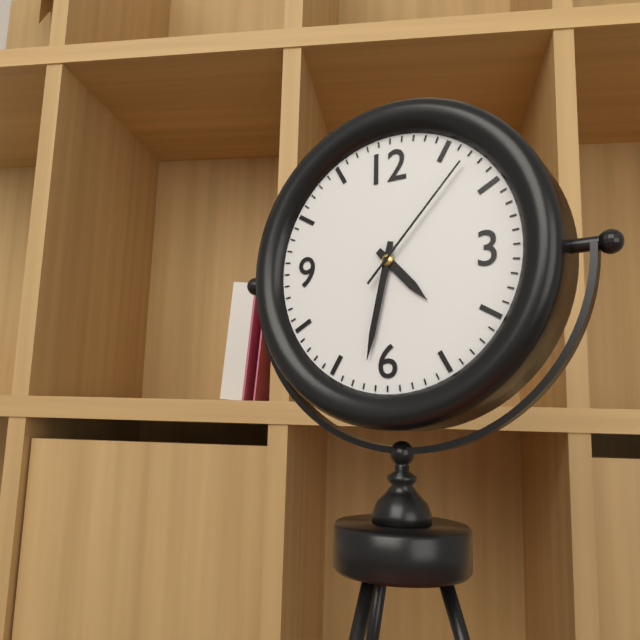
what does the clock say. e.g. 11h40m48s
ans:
4h32m07s
